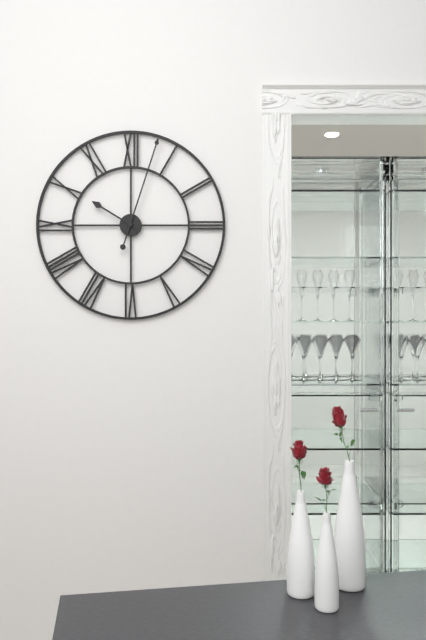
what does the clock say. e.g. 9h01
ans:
10h03
